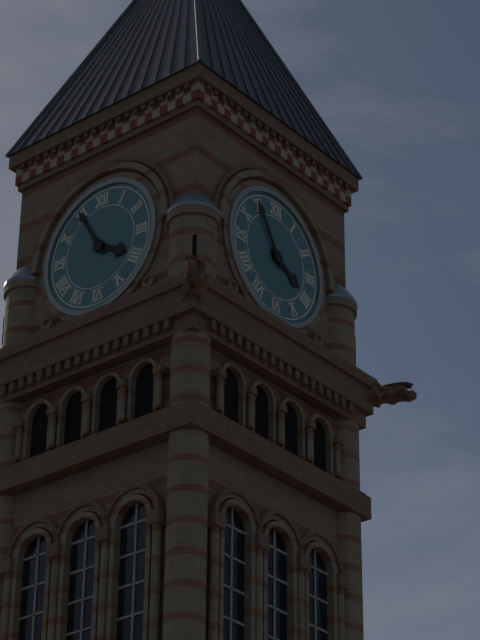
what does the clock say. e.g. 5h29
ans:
3h55
